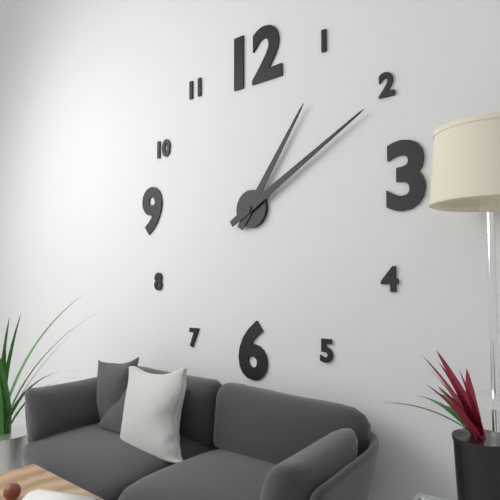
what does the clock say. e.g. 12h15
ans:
1h10
